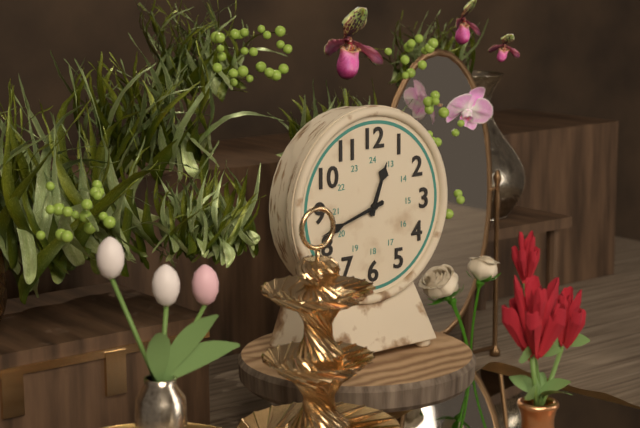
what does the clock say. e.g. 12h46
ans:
12h42
